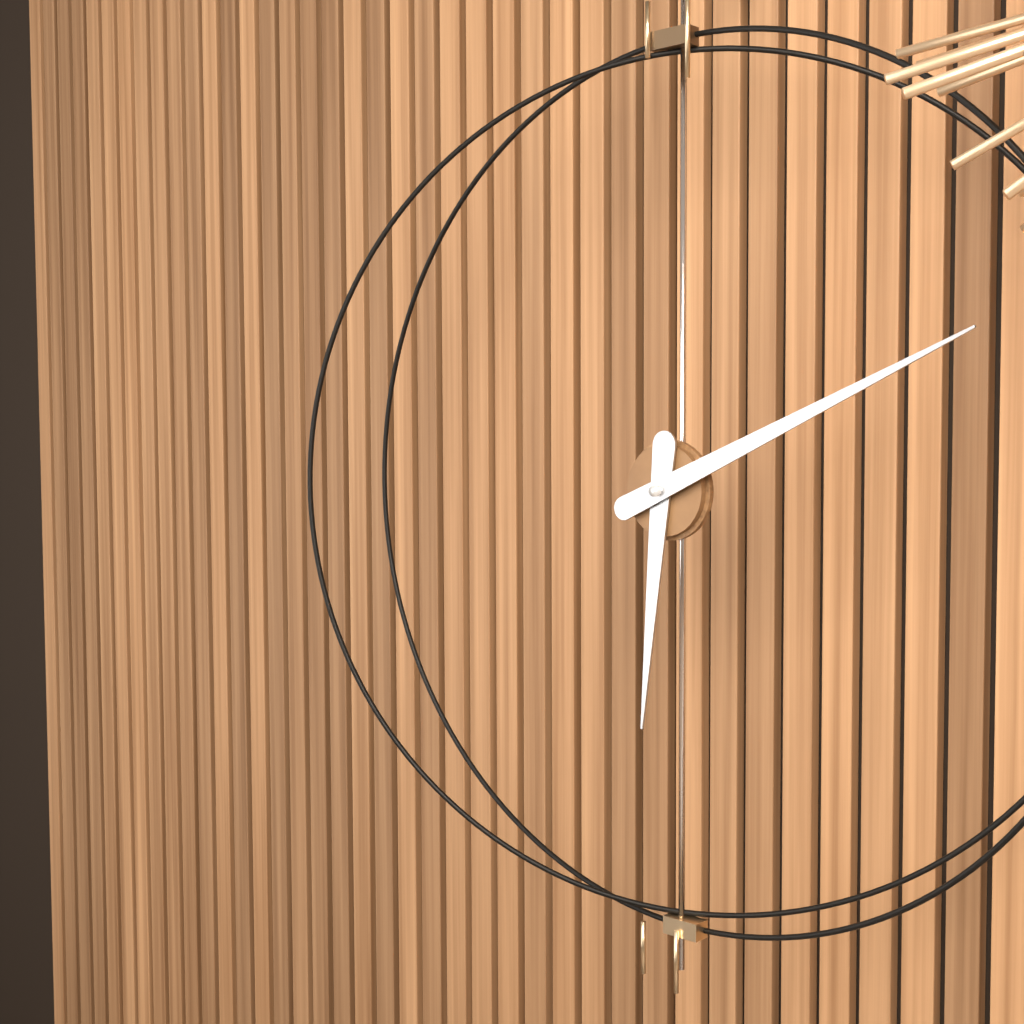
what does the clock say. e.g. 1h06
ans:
6h11
